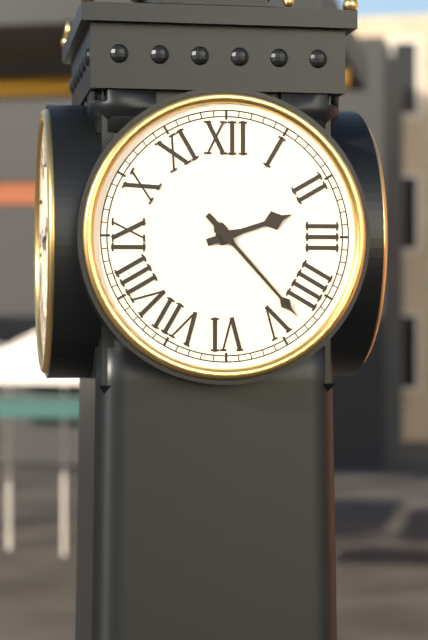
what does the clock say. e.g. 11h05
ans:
2h23
